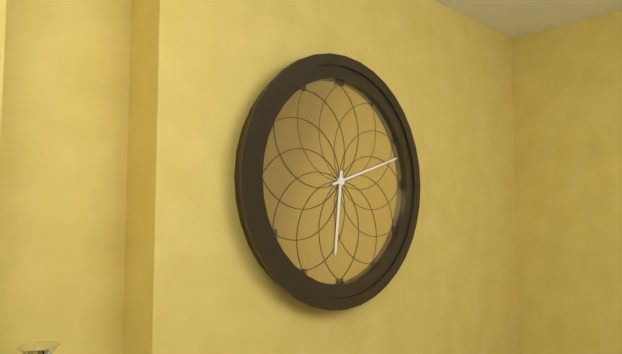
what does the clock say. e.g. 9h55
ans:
6h12
